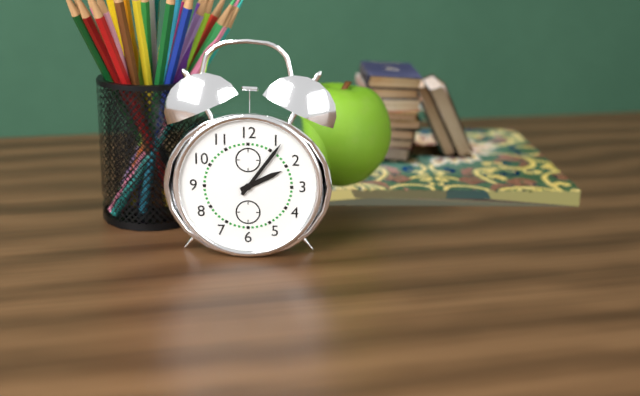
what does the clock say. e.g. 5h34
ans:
2h06
